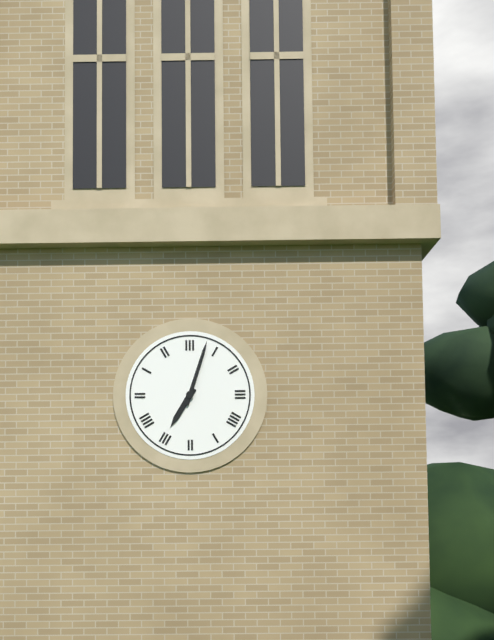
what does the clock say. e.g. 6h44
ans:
7h03
